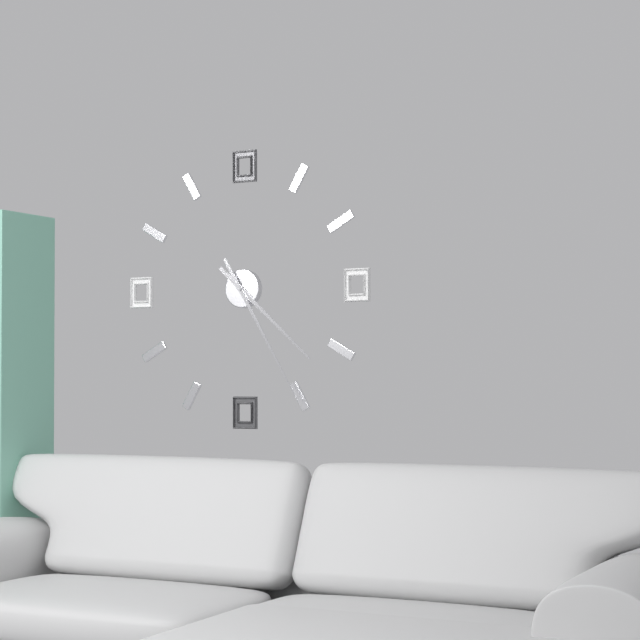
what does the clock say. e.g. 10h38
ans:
4h25
